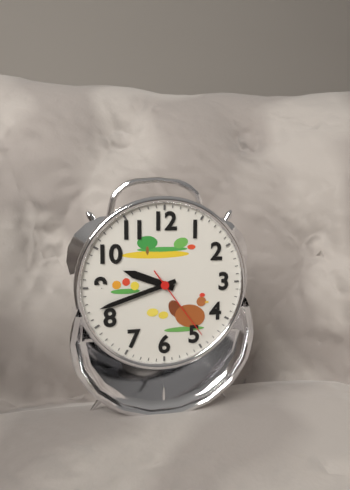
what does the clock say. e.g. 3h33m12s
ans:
9h42m24s
